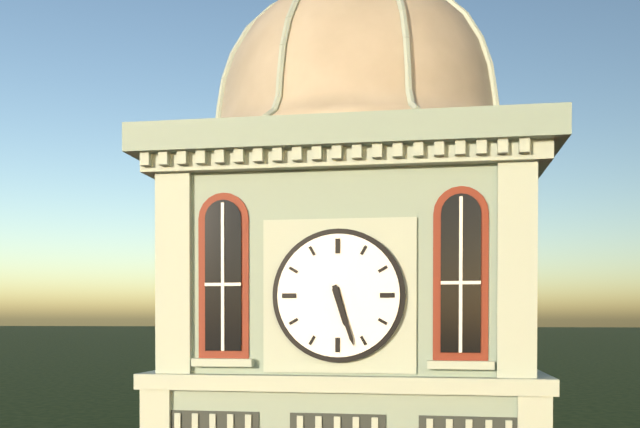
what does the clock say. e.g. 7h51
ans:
5h27
